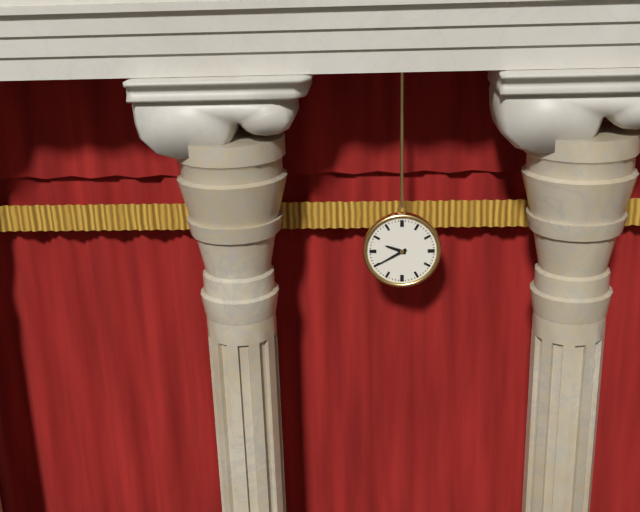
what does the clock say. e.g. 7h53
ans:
9h40
